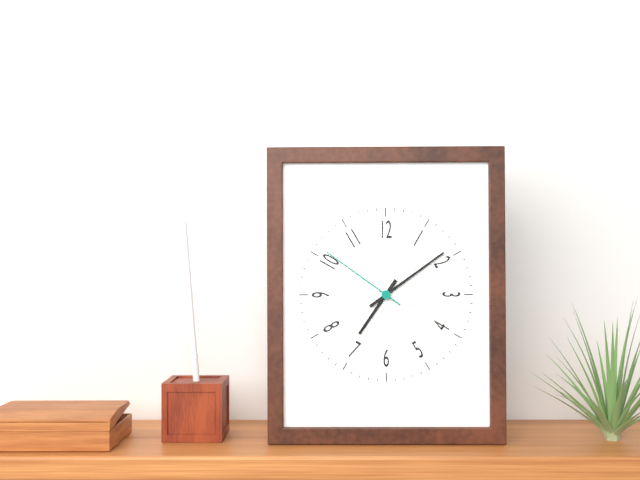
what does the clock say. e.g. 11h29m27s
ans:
7h09m51s
